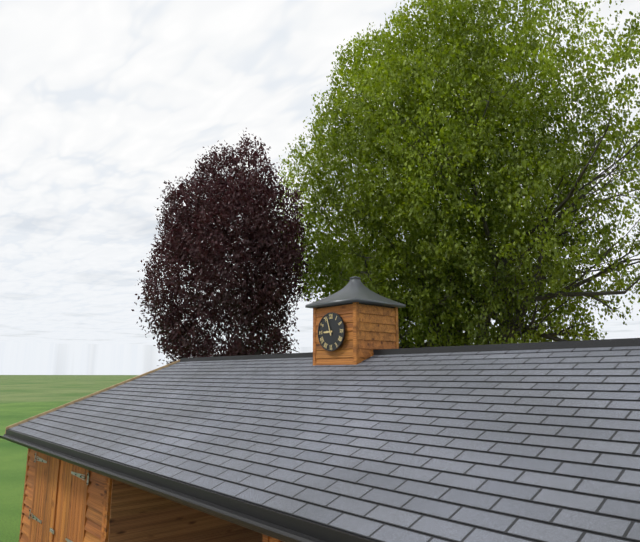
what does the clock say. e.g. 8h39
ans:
8h57
